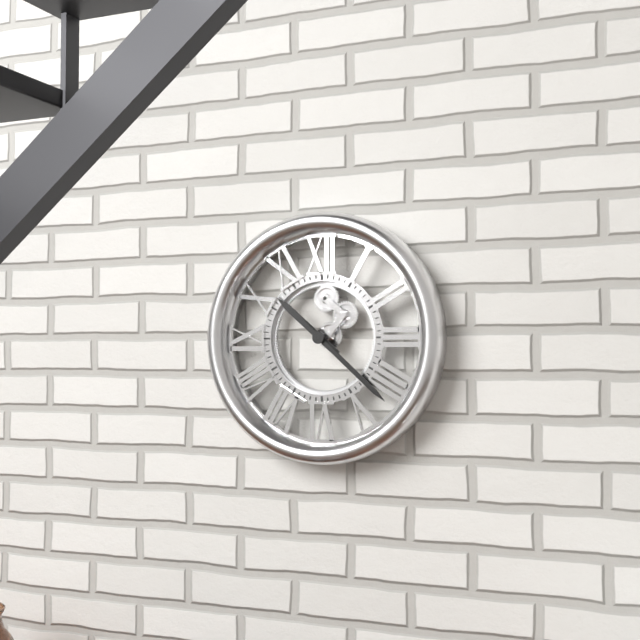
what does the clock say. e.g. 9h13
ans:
10h22
